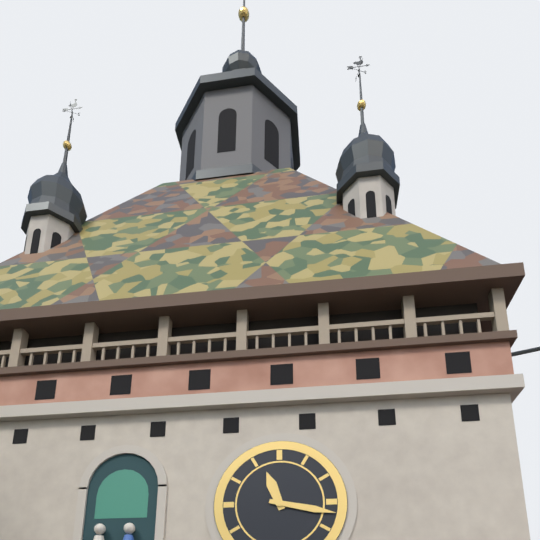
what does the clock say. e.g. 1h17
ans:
11h17
